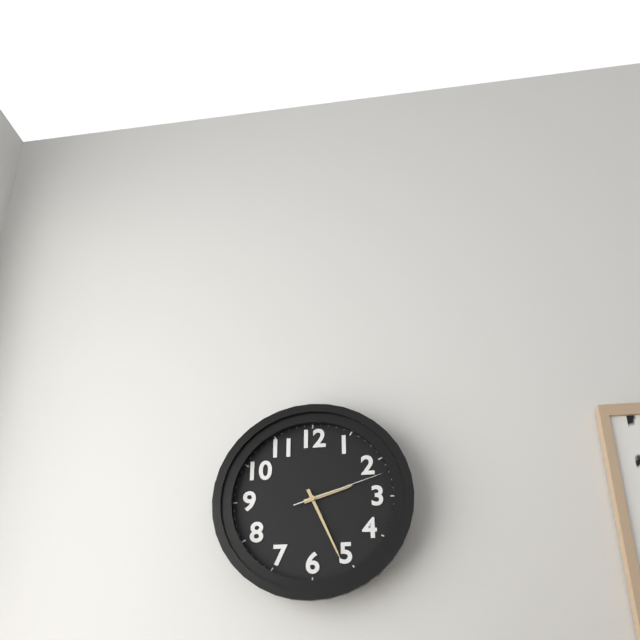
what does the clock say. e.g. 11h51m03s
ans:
2h26m12s
